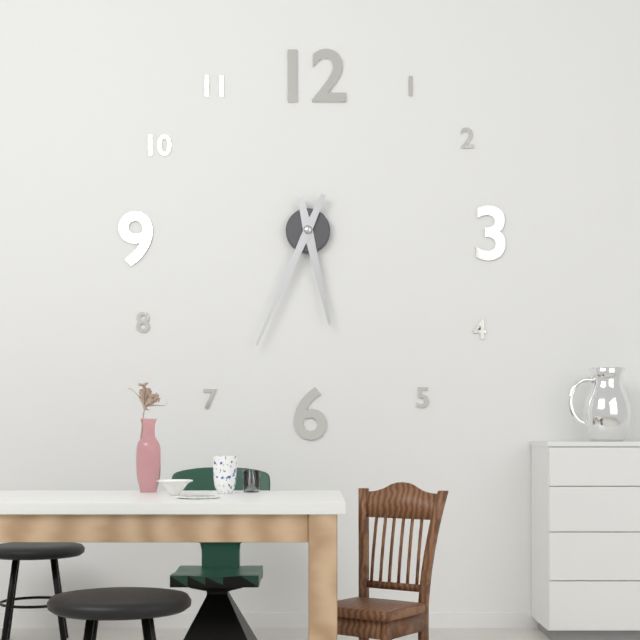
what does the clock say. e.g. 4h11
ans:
5h34
